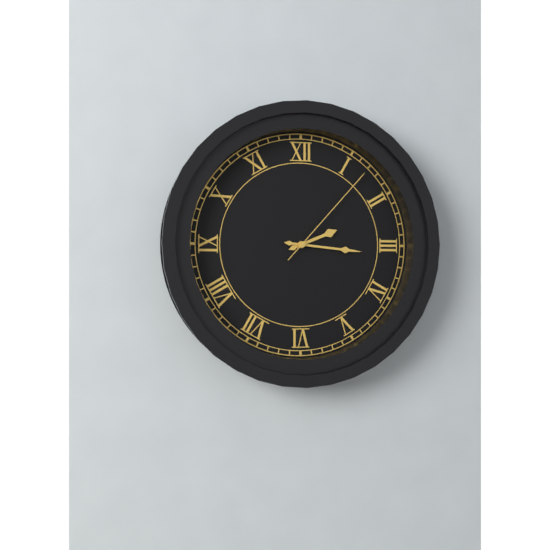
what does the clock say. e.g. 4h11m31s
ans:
2h16m07s
